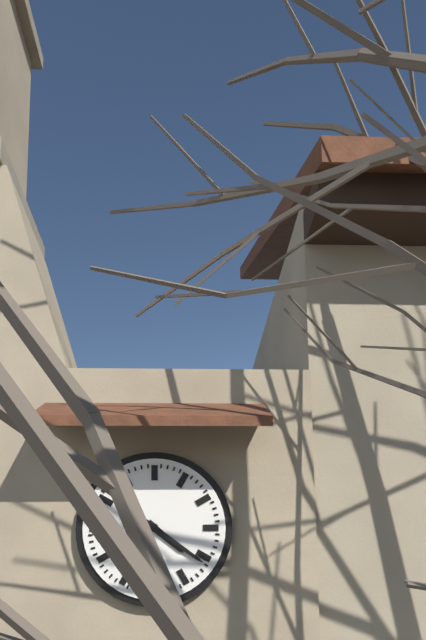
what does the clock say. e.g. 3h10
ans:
4h21
